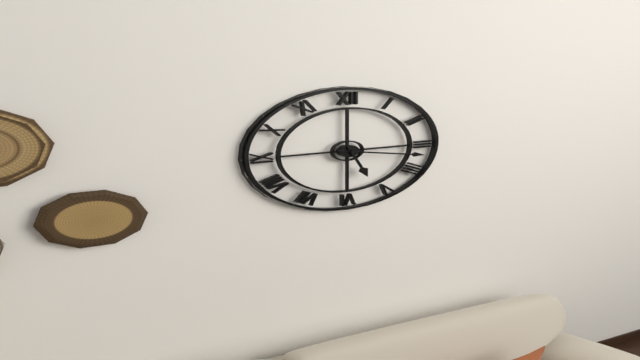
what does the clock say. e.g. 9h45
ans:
5h17
